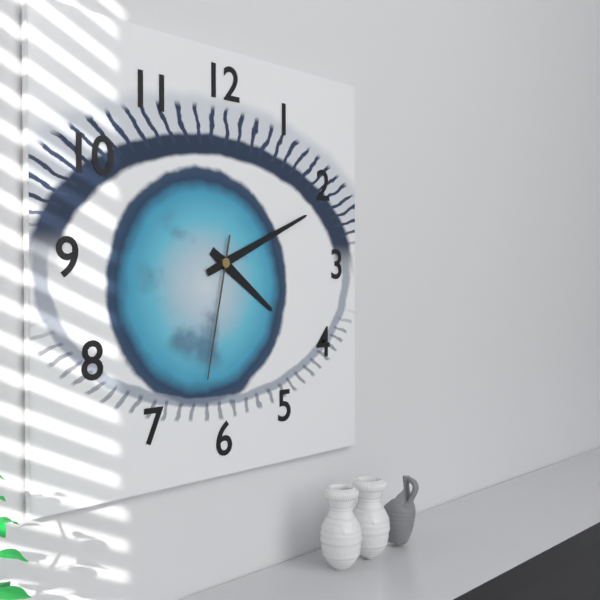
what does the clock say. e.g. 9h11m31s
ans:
4h11m32s
